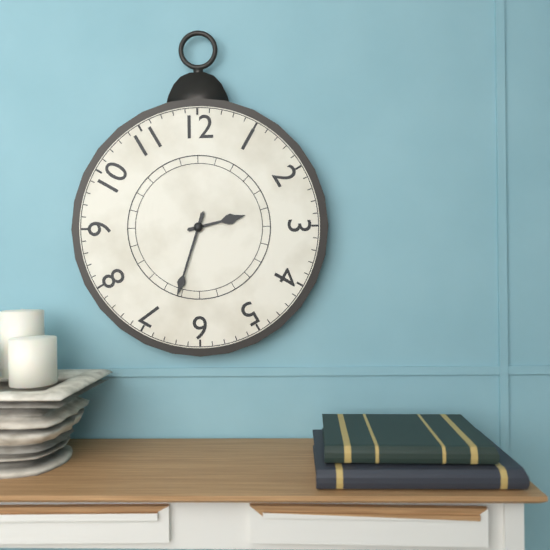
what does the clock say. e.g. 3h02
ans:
2h33
